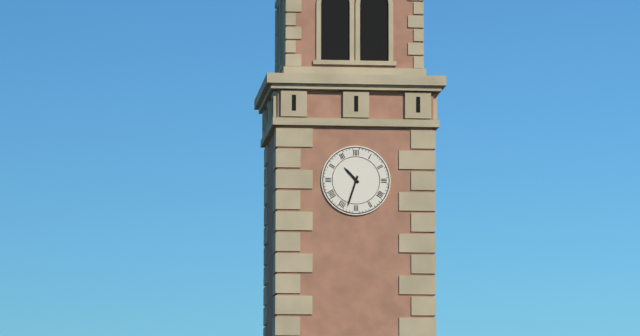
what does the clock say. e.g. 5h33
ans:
10h33
